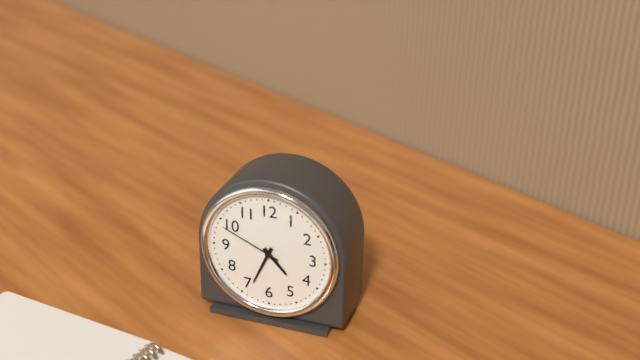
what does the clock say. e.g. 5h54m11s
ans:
4h34m49s
